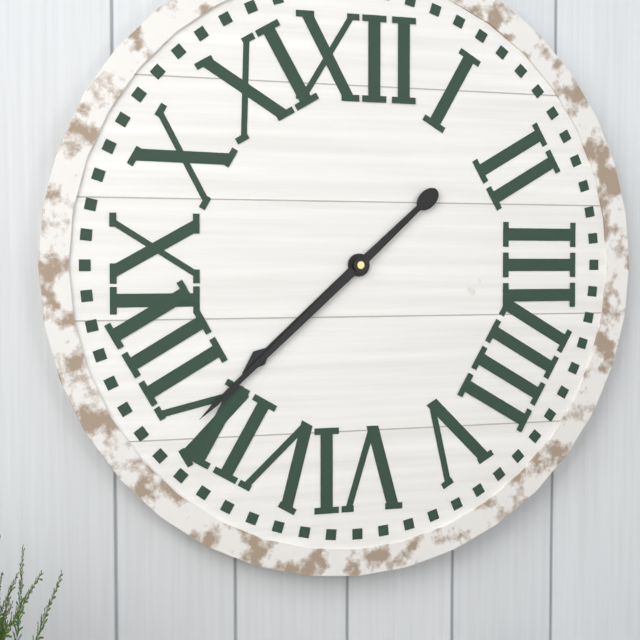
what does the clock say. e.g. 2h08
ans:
7h38
